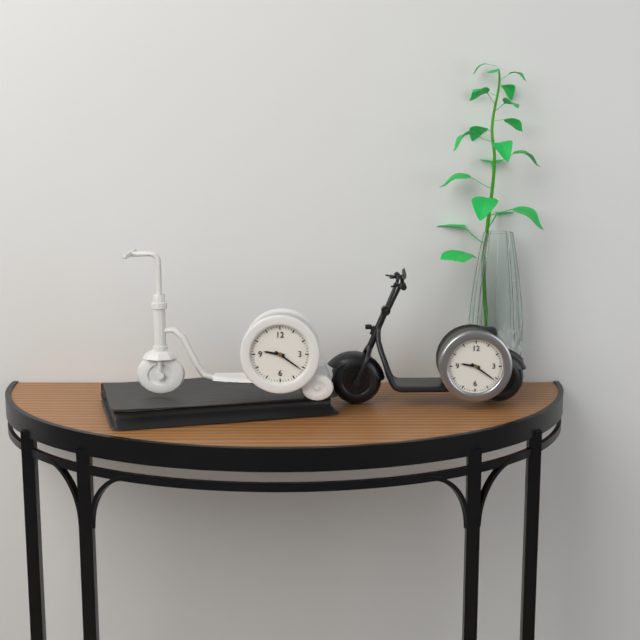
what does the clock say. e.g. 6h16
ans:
9h21
